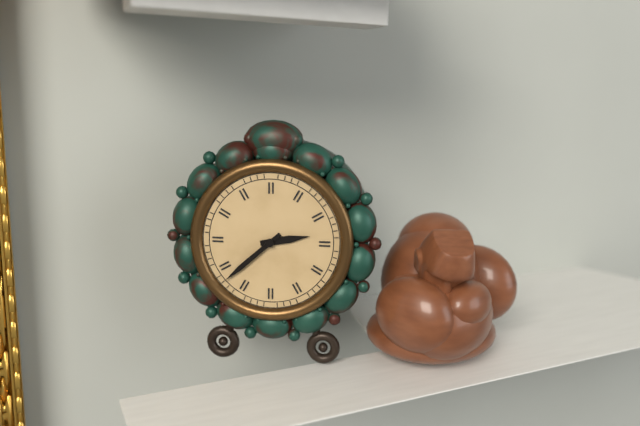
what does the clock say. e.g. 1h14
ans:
2h38
